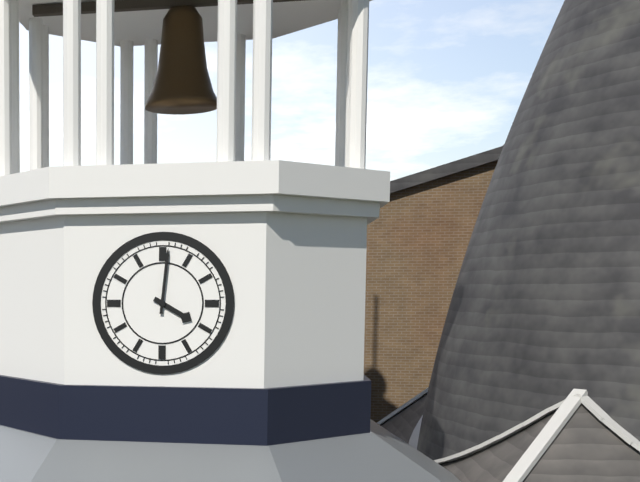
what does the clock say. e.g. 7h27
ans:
4h01
